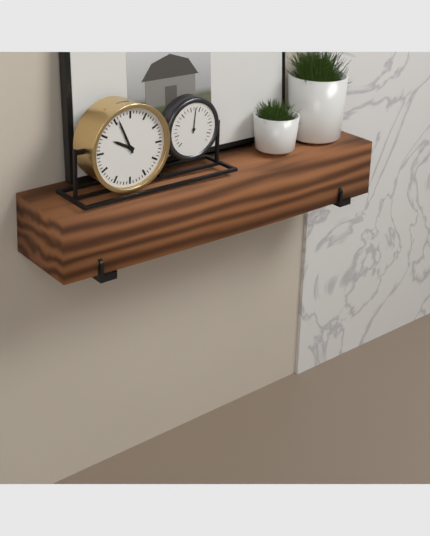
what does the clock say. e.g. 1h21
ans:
9h56
